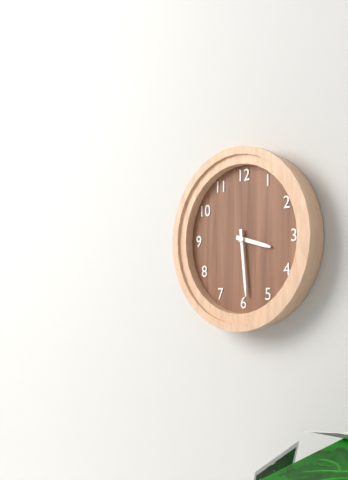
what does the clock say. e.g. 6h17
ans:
3h29
